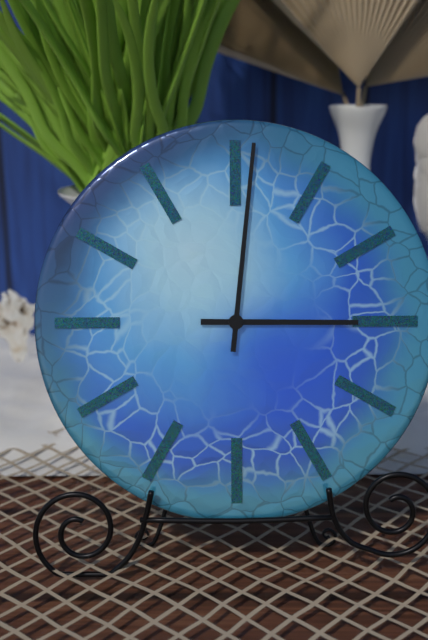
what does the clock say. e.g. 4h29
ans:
3h01
